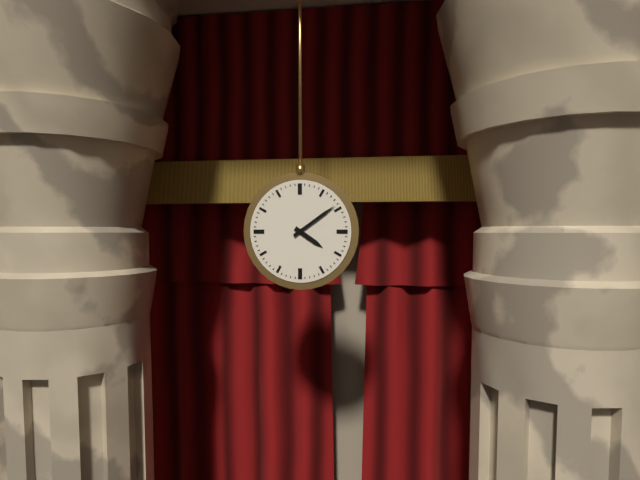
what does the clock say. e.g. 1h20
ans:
4h09
